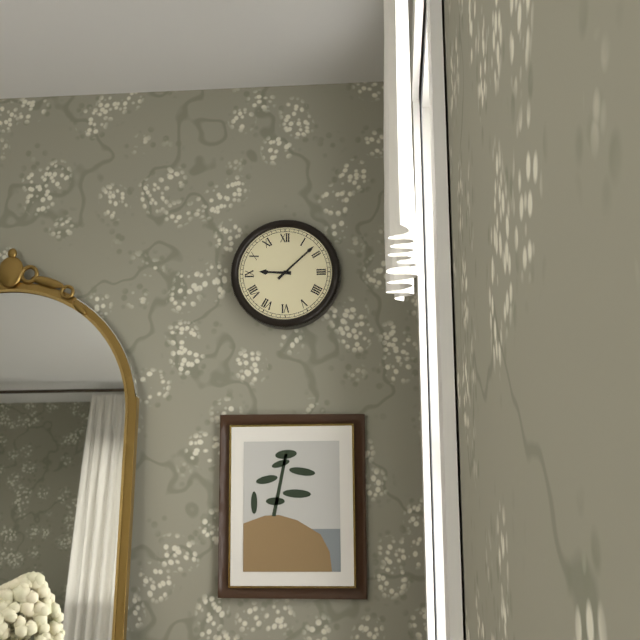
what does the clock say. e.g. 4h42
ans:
9h08
